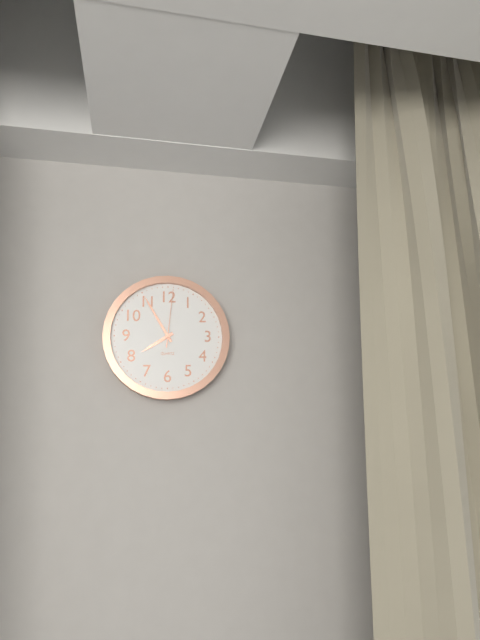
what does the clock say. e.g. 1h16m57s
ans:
7h55m01s
